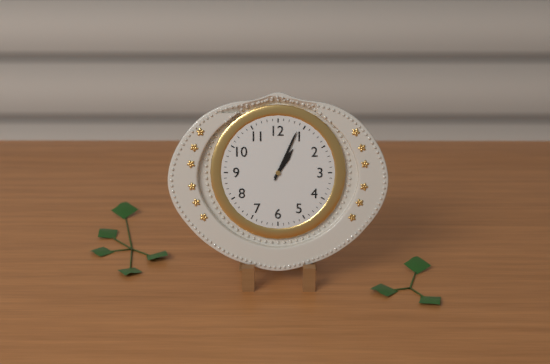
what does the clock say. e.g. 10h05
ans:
1h04
